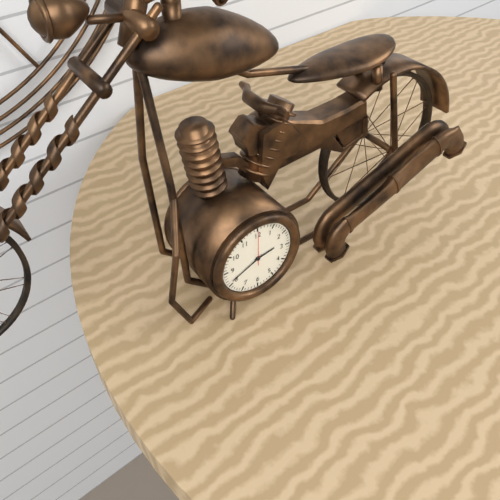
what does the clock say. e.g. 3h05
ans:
2h41
